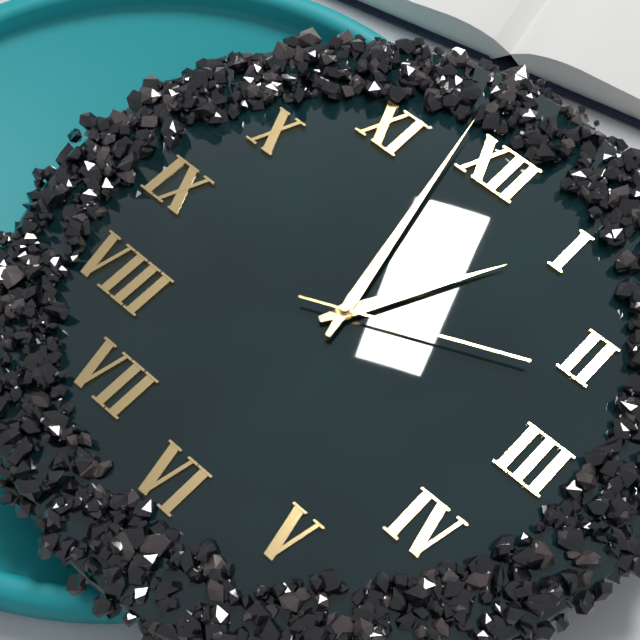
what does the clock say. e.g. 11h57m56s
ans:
12h58m11s
